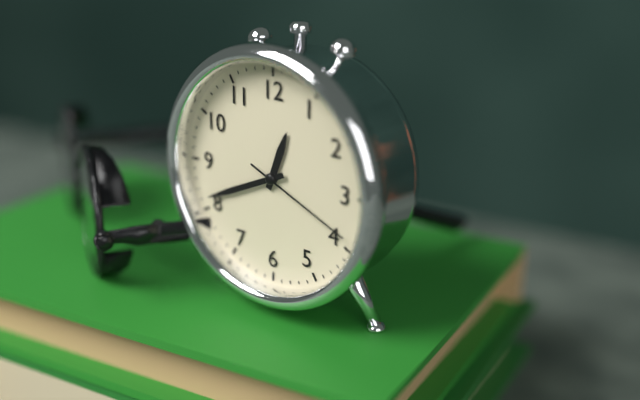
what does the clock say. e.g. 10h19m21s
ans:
12h41m19s
